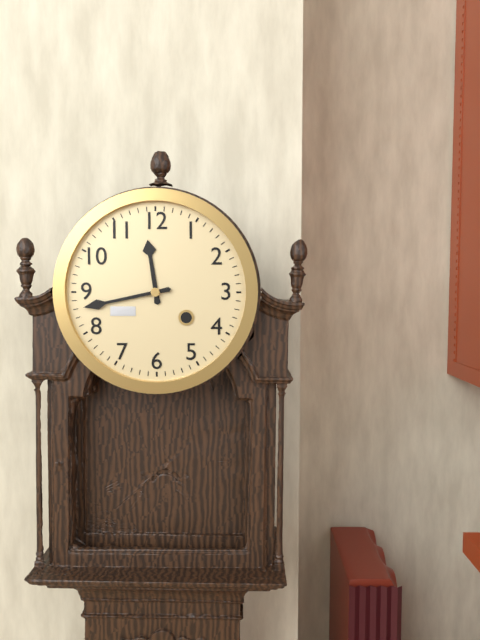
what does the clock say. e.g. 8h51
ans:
11h43
